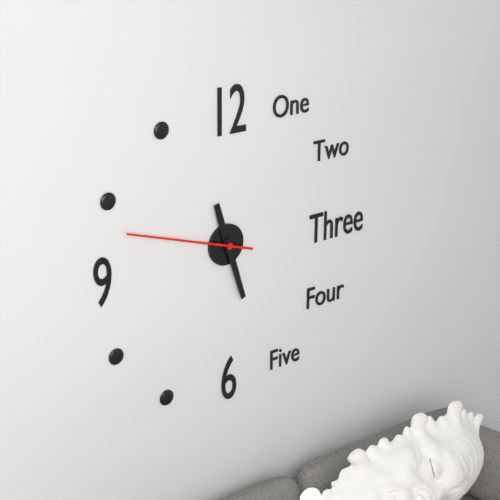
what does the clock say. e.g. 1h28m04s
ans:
11h27m48s
